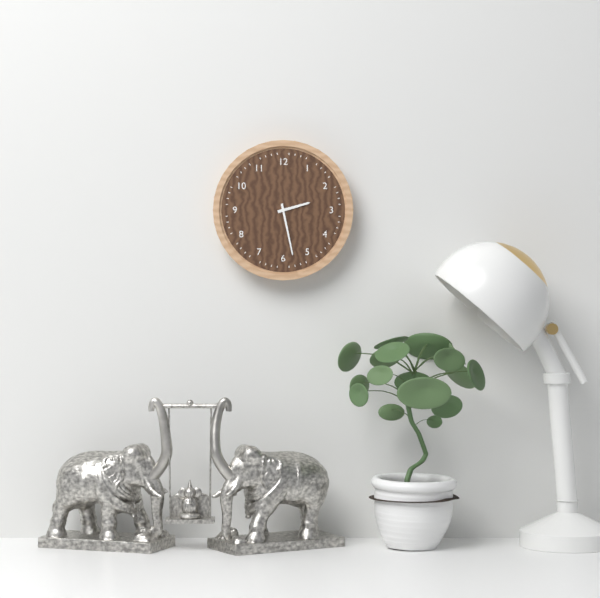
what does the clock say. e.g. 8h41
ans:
2h28
